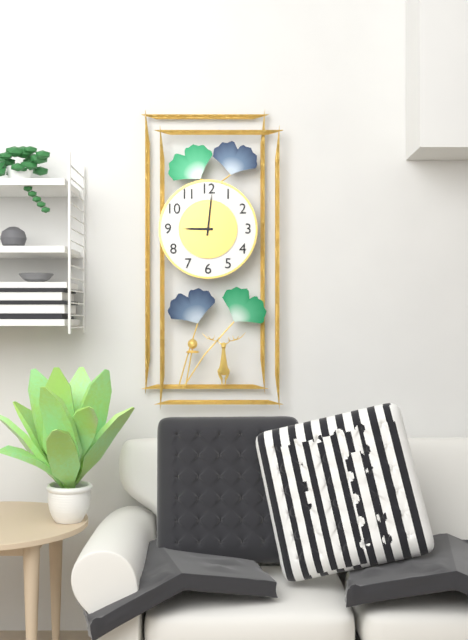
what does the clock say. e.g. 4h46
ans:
9h01
